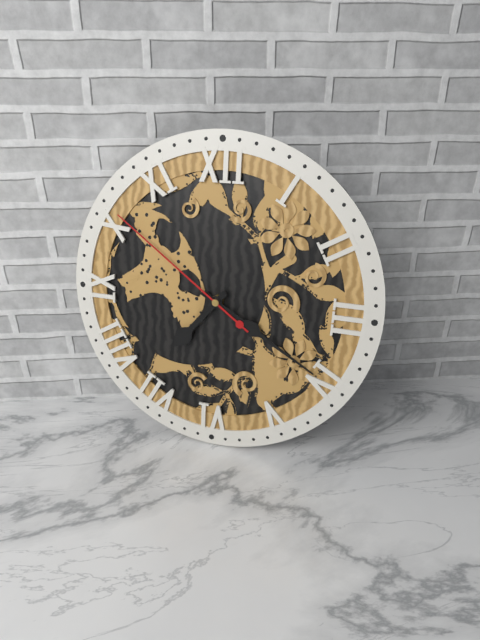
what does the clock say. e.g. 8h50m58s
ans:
7h20m51s
